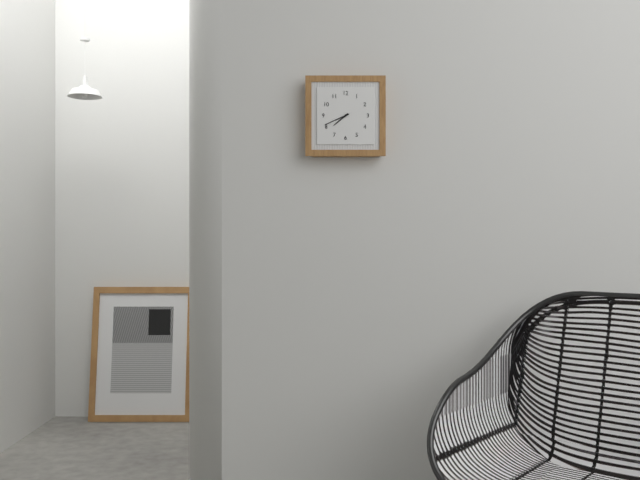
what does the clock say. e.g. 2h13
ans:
7h41
